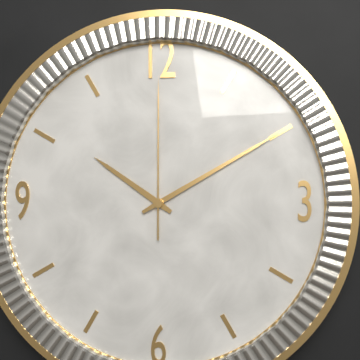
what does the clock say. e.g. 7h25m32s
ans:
10h10m00s
